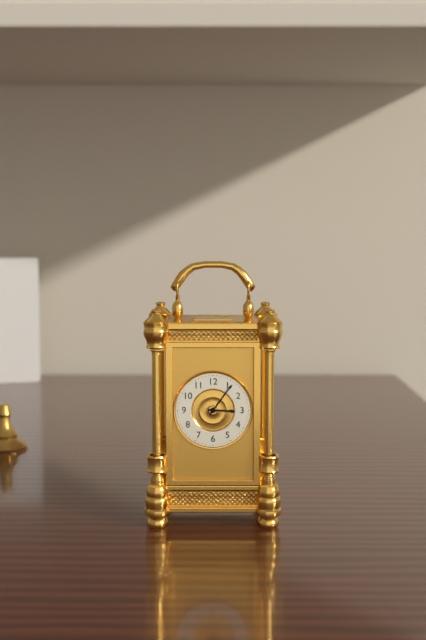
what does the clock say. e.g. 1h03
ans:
3h06
